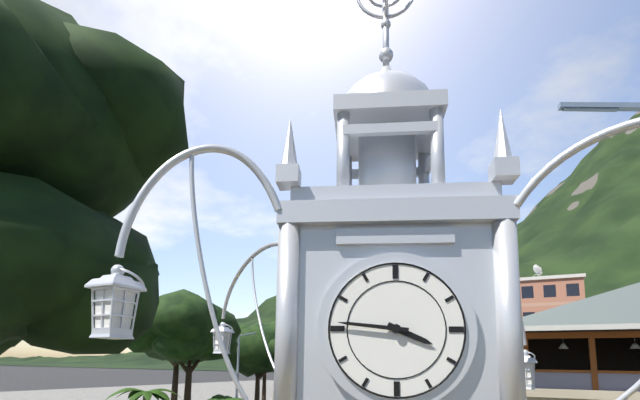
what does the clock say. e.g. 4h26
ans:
3h46
